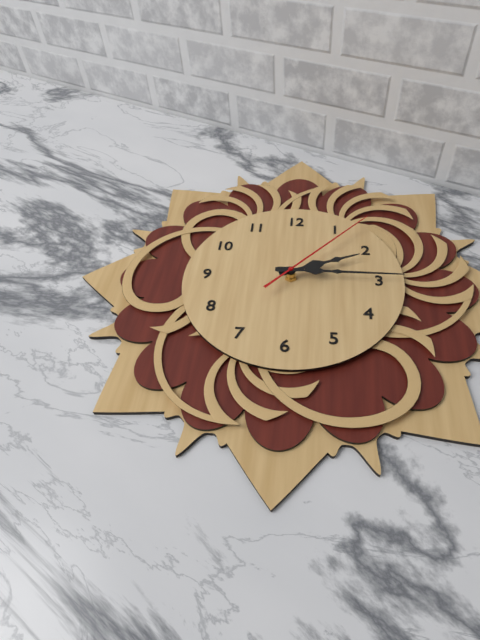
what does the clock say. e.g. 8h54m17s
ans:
2h15m07s
